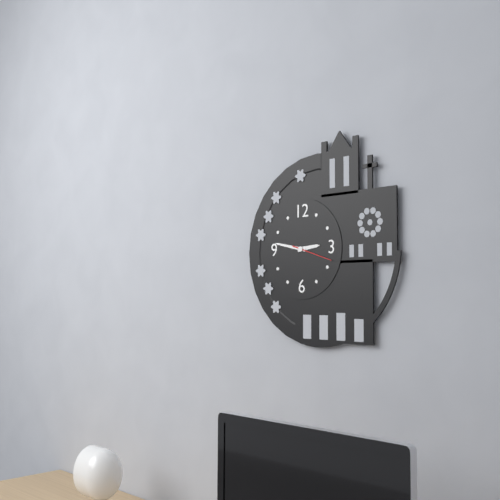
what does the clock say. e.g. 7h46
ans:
2h47
